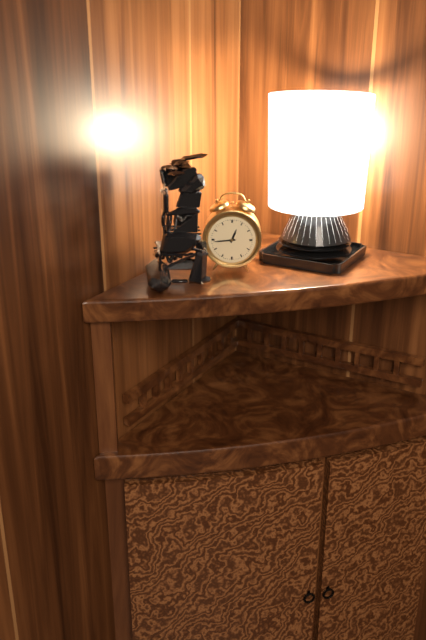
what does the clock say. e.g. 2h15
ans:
12h44
